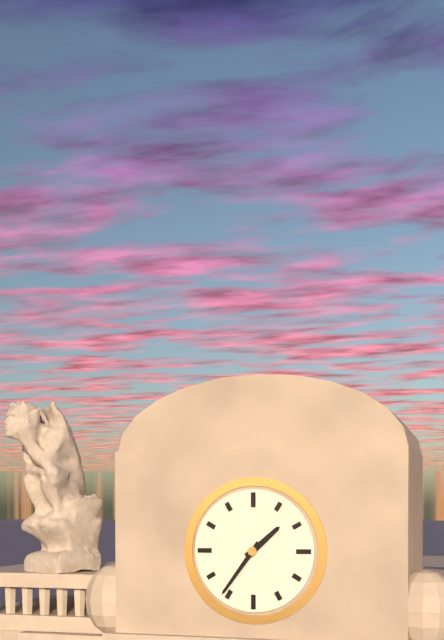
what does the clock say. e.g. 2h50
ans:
1h36
